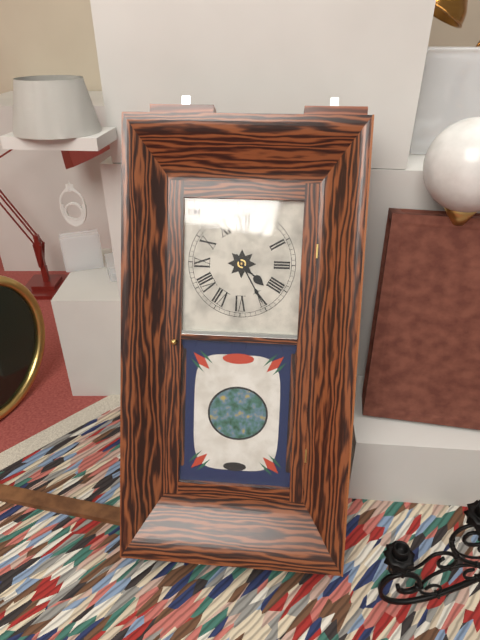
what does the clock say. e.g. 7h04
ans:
4h25
